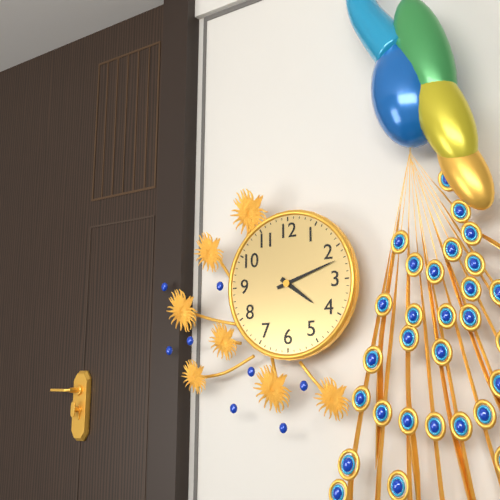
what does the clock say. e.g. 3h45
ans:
4h12
